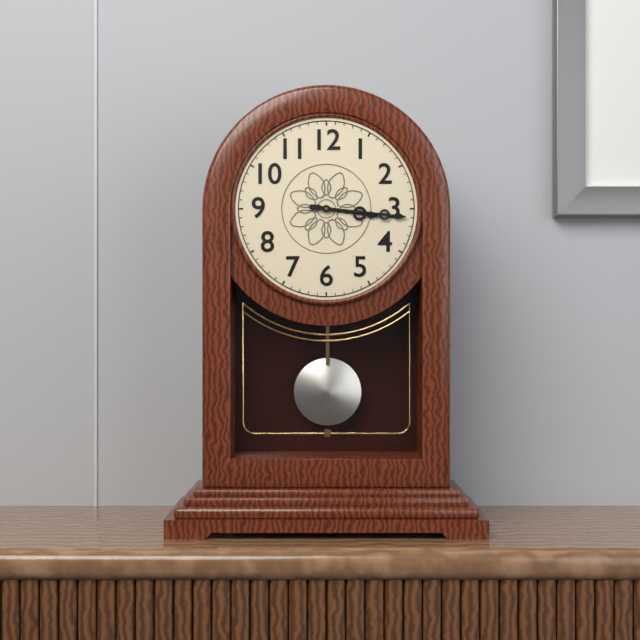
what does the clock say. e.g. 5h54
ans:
3h16
